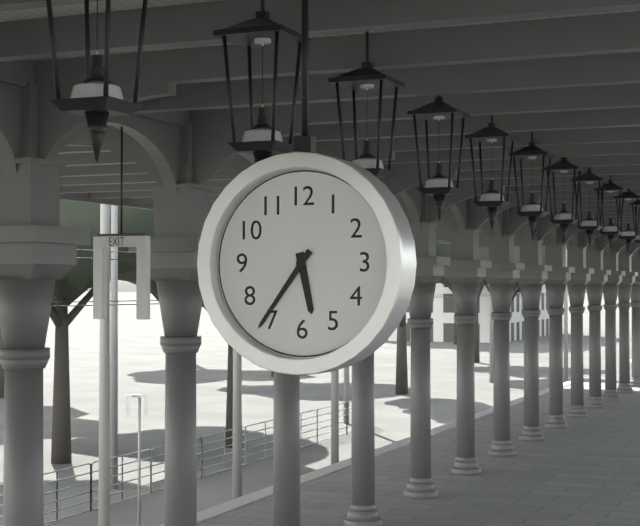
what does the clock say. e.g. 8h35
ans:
5h36
